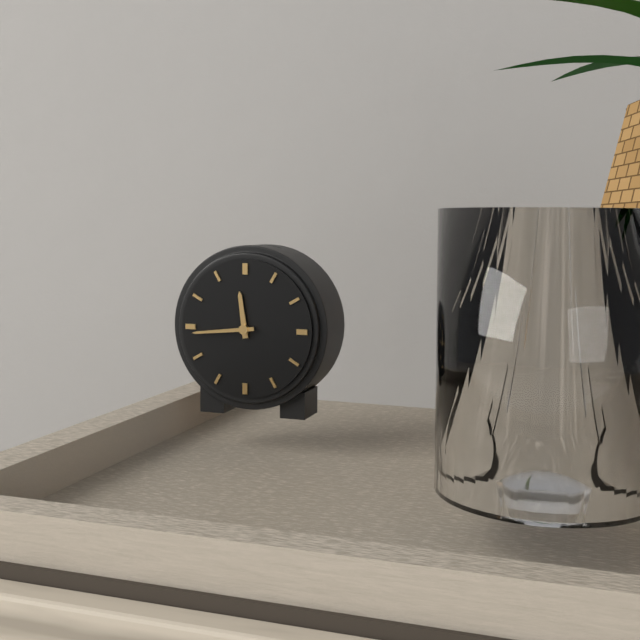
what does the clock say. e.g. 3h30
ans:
11h44
